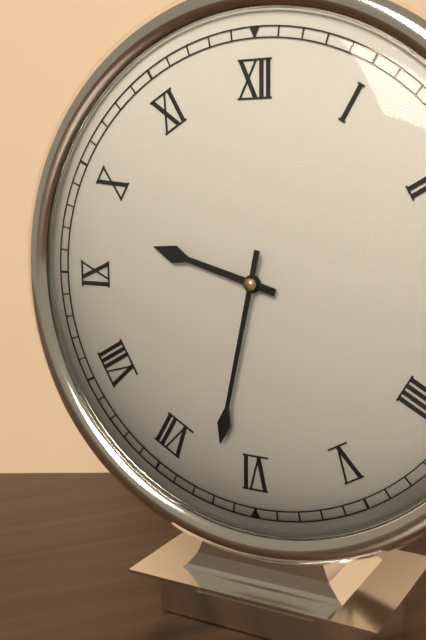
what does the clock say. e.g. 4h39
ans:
9h32
